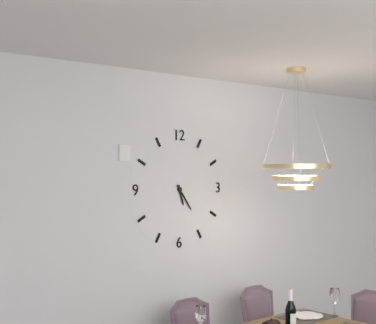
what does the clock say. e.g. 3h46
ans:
5h24
